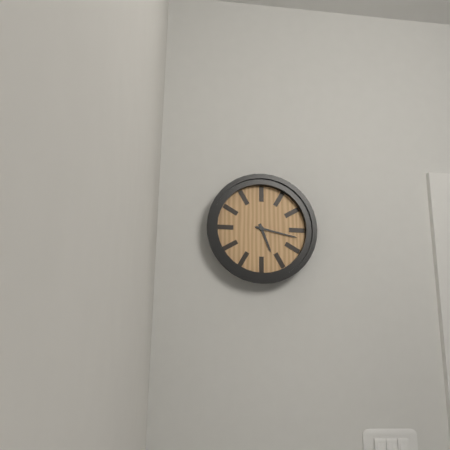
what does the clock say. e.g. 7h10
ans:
5h17
